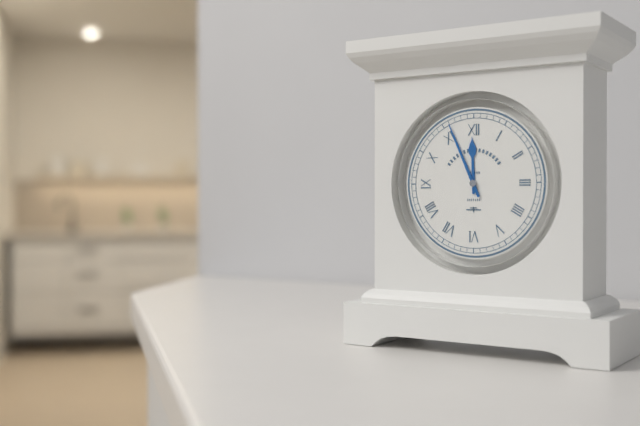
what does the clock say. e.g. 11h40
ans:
11h56
